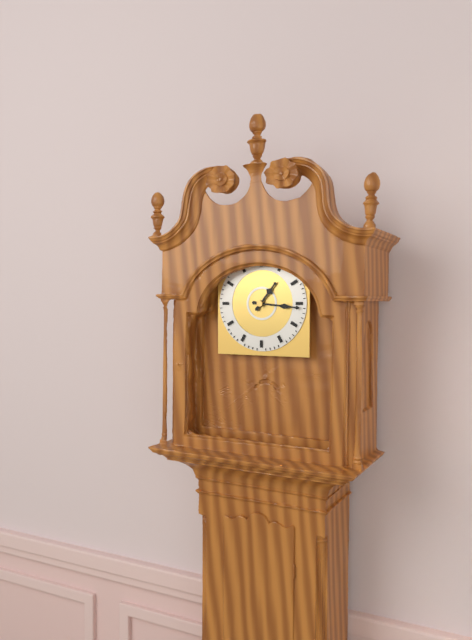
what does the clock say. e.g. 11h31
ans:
1h16
